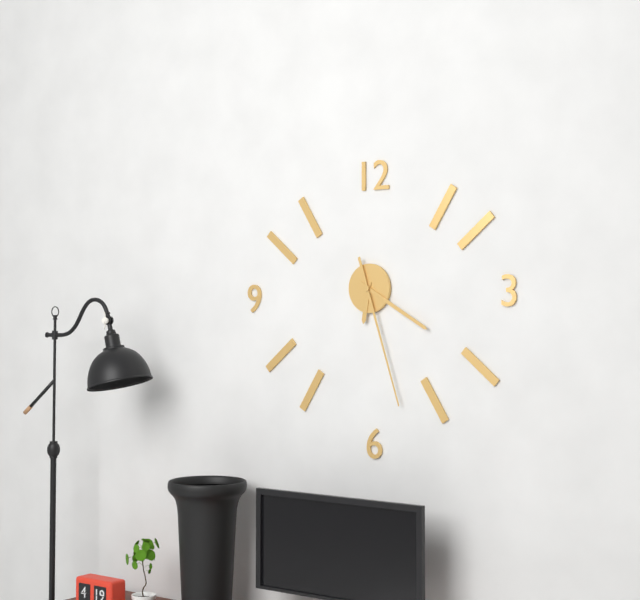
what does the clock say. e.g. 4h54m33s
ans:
6h20m27s
